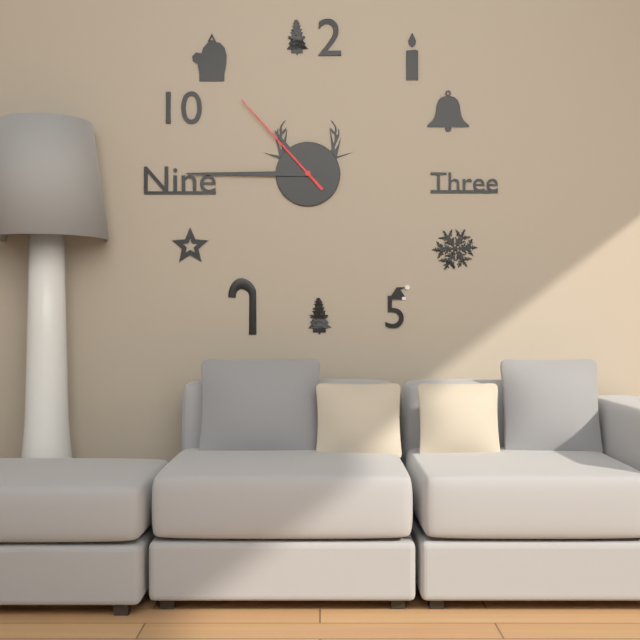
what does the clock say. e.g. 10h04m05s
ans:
10h45m53s
